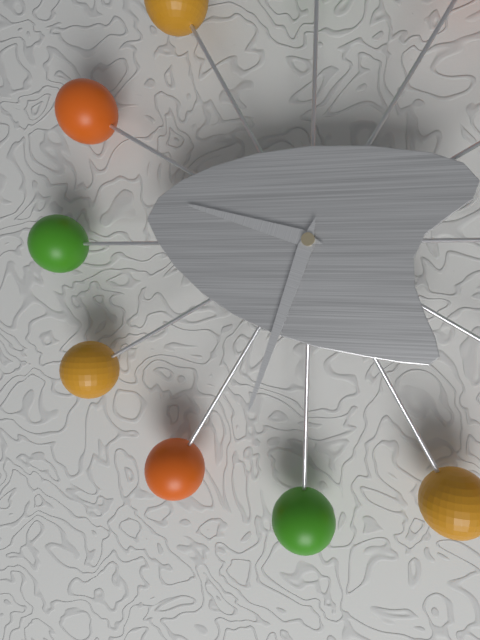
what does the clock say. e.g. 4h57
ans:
9h33
